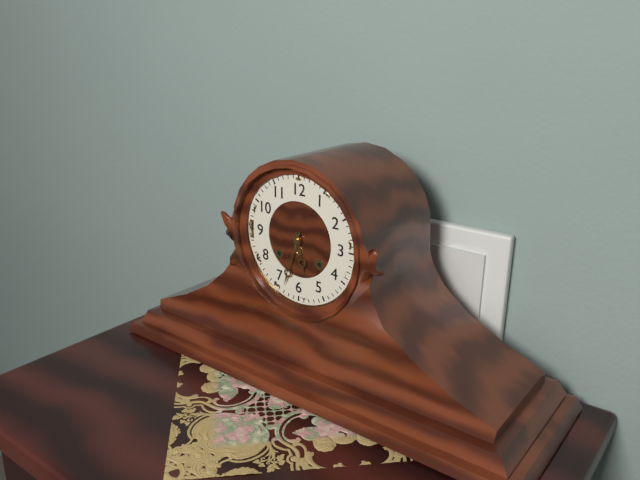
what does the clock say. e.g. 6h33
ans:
5h33
